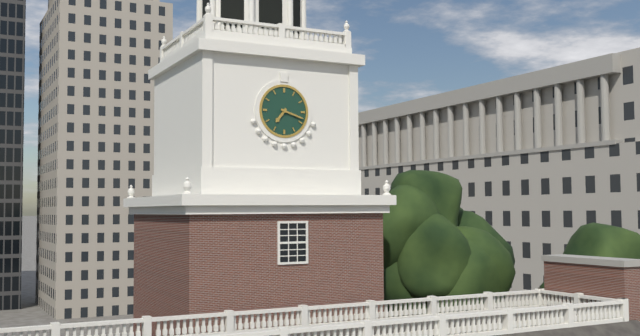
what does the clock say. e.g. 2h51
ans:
7h18
